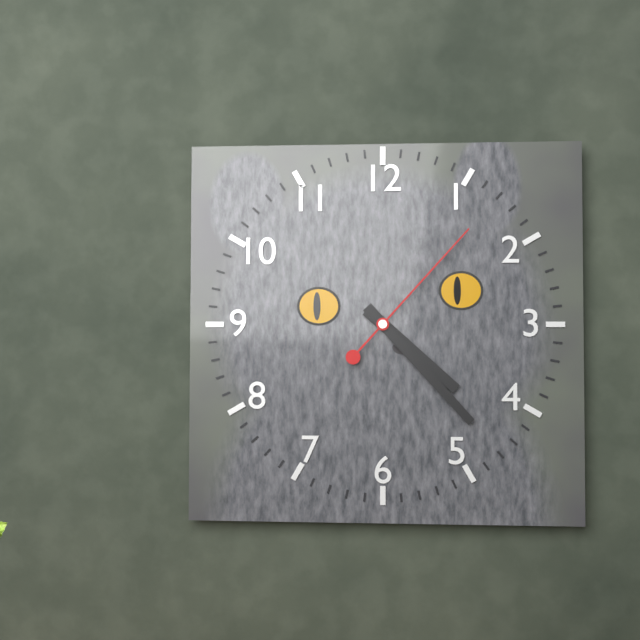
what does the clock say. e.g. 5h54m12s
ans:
4h23m07s
